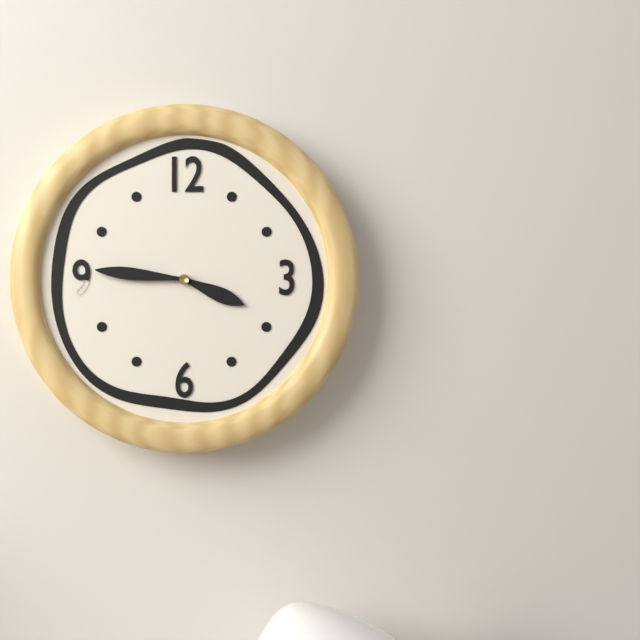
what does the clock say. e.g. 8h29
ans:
3h46
